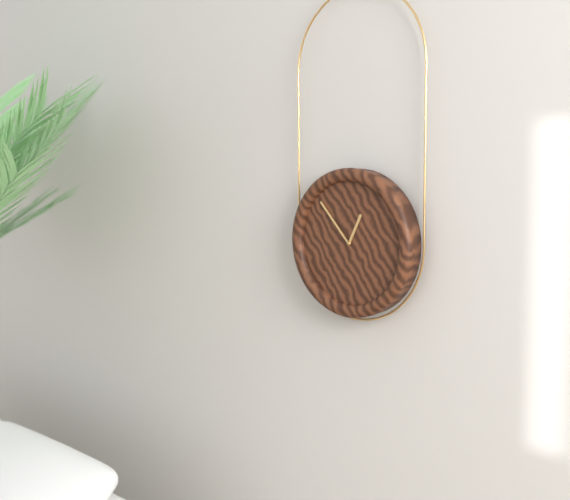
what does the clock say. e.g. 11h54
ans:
12h53
